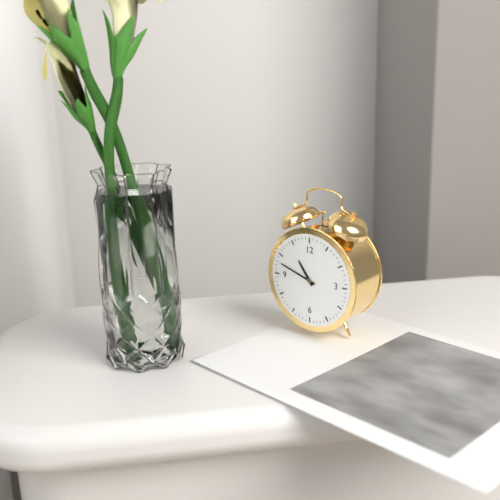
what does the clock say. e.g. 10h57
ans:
10h48
